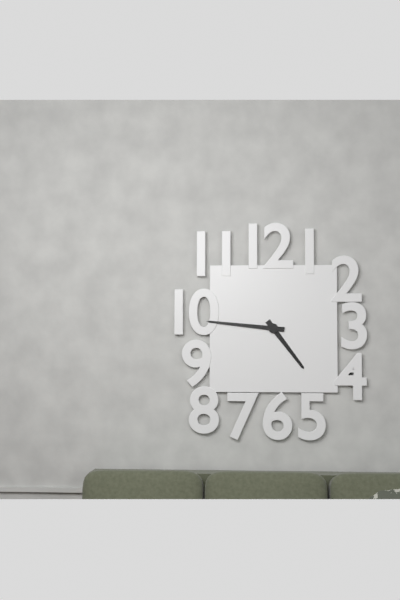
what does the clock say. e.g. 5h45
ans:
4h46
